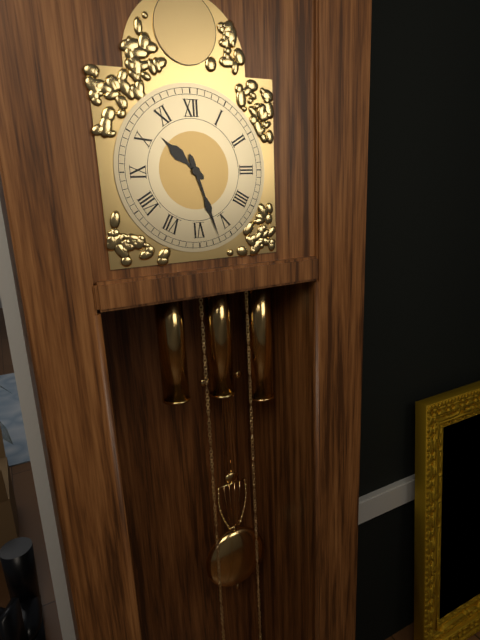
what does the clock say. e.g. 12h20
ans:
10h27
